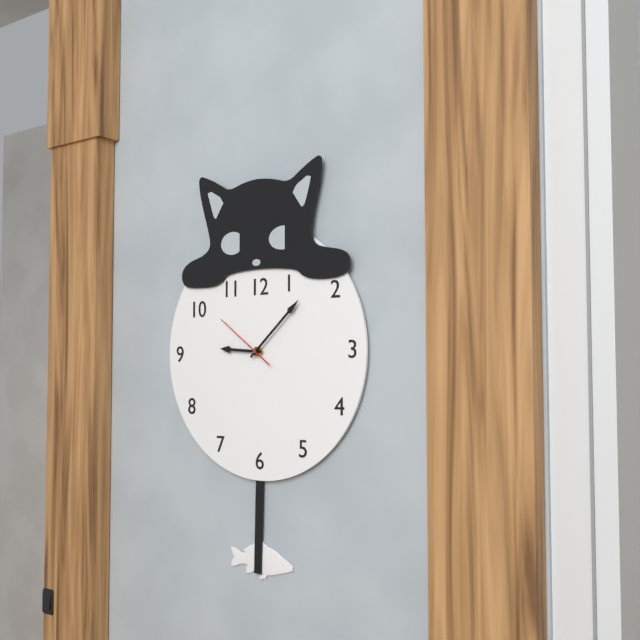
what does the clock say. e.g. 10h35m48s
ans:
9h08m51s
